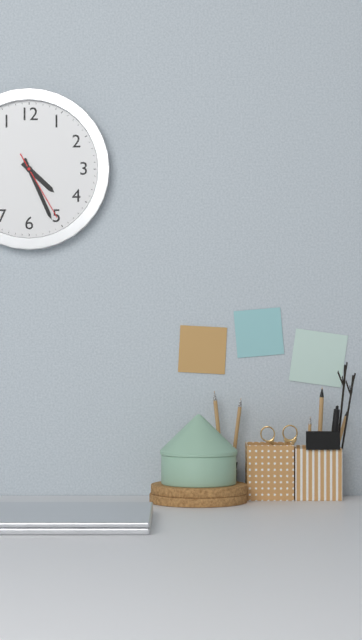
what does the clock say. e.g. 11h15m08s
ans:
4h26m25s
